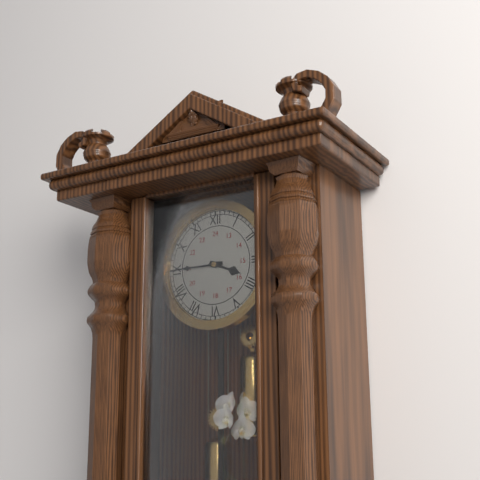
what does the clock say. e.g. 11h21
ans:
3h45
